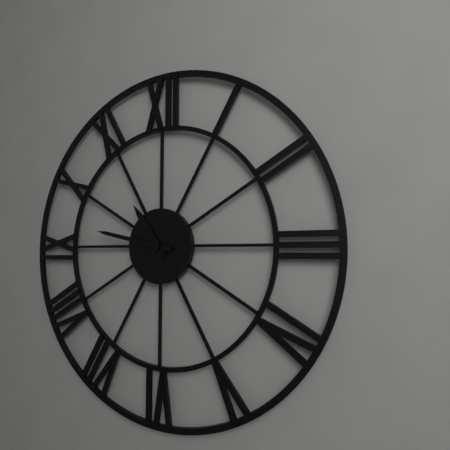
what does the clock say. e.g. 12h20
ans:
10h47
